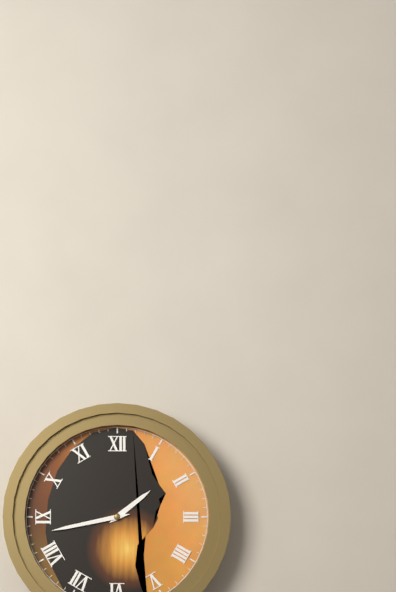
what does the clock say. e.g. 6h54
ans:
1h43
